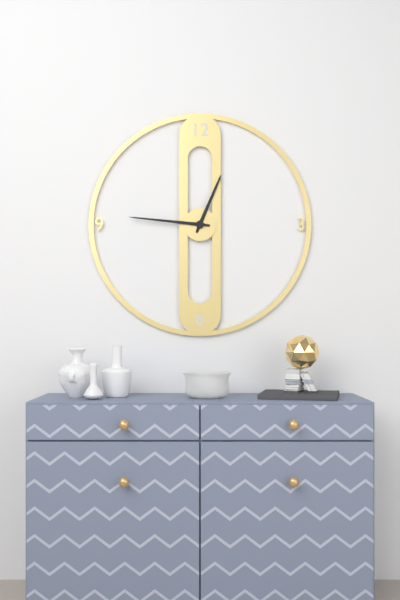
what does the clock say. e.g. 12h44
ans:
12h46
